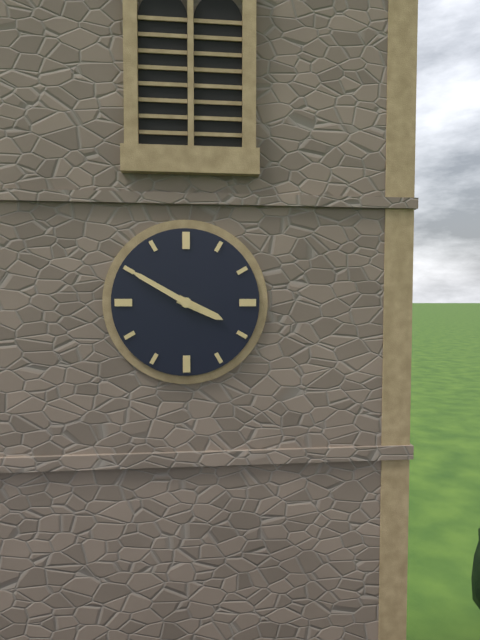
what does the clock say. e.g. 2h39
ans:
3h50
